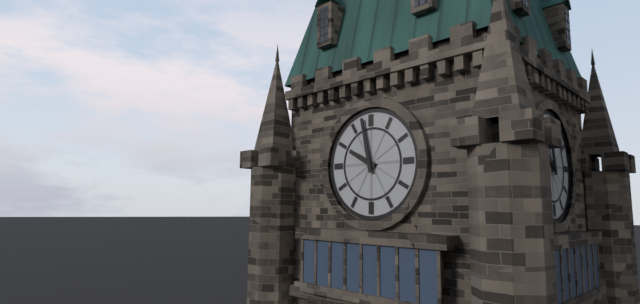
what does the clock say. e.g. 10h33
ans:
9h58
